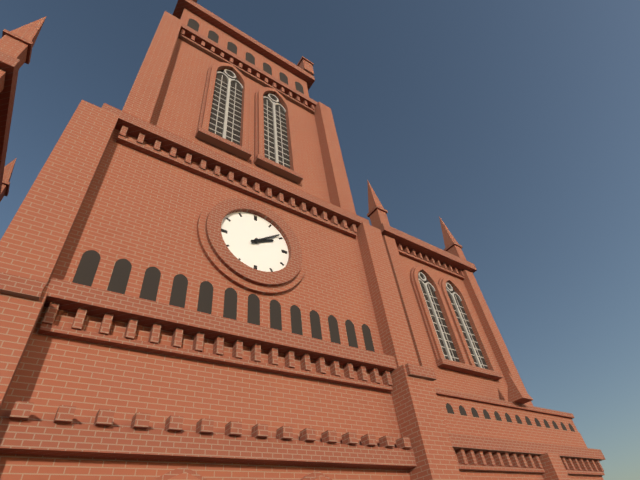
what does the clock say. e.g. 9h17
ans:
2h09
